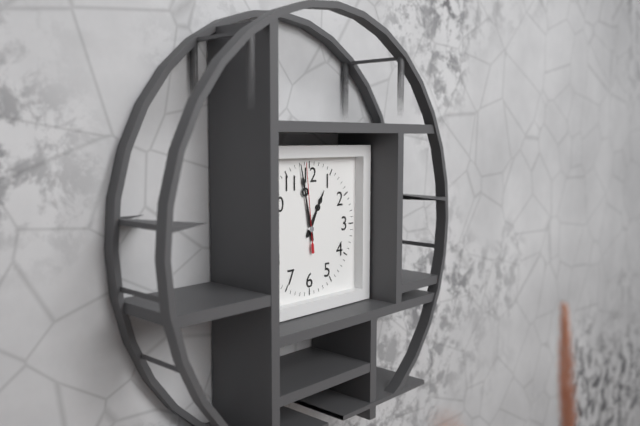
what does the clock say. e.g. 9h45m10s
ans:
12h58m59s
